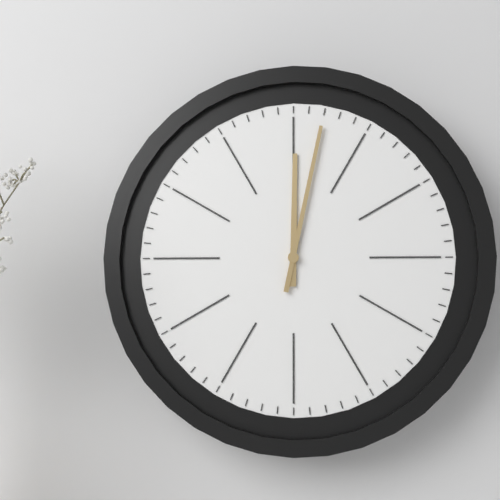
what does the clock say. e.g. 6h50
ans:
12h02
